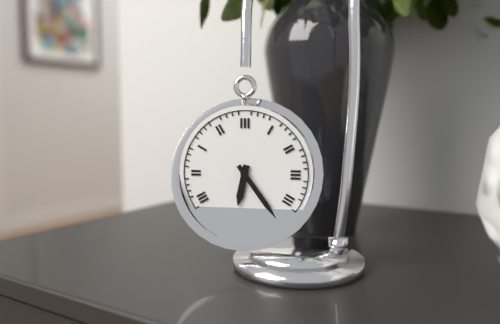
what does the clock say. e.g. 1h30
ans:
6h24
